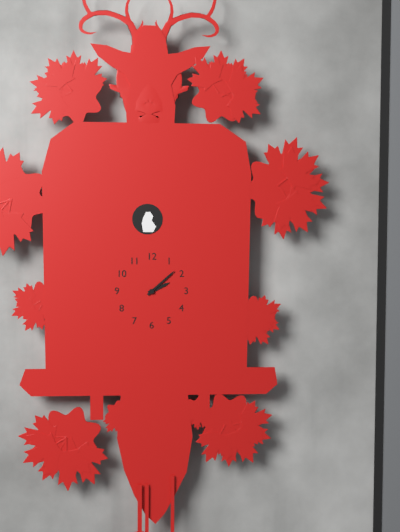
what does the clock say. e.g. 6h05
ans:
2h08
